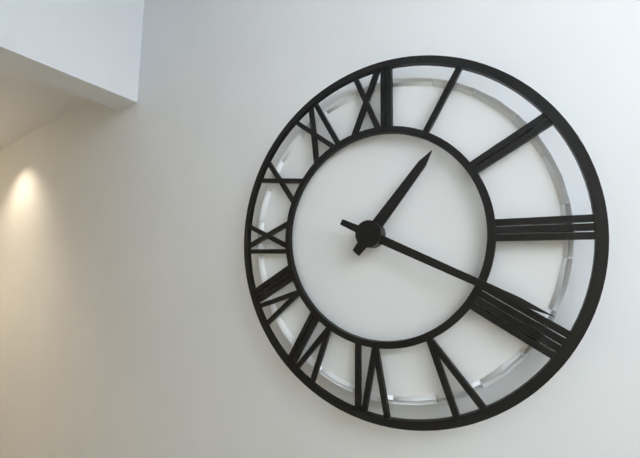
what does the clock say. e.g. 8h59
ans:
1h19
